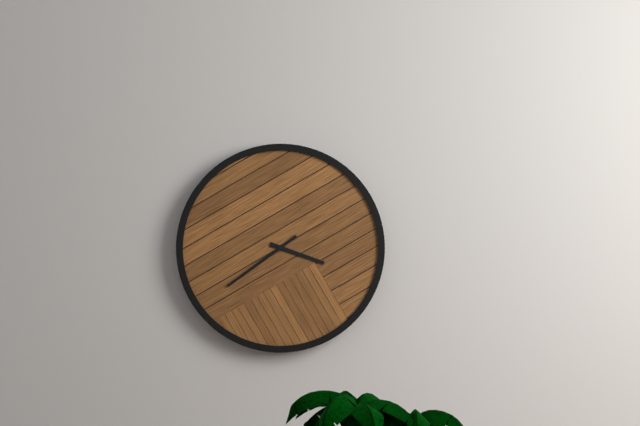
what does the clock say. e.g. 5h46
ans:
3h39
